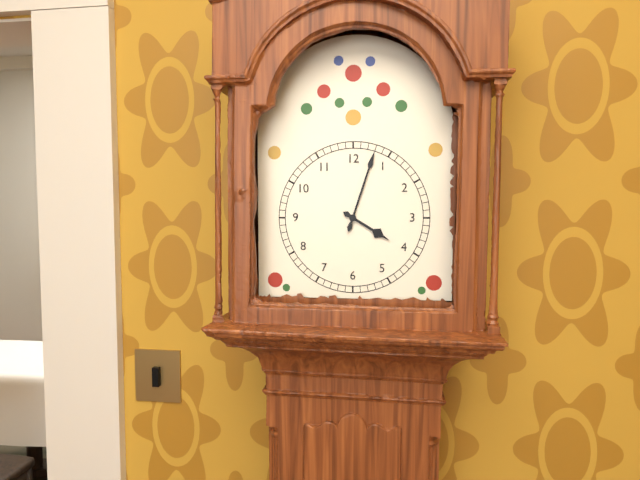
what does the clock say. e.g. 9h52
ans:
4h03
